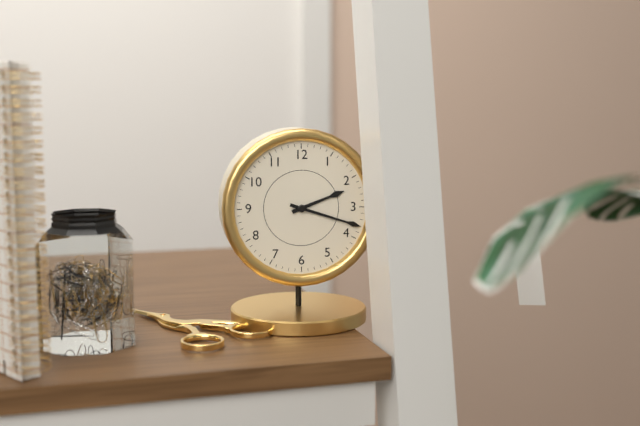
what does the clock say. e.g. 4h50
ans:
2h18
